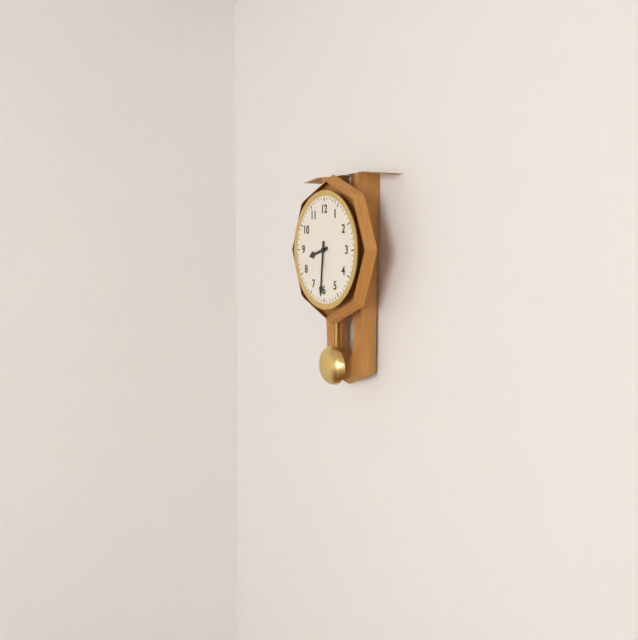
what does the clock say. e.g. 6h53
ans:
8h31
